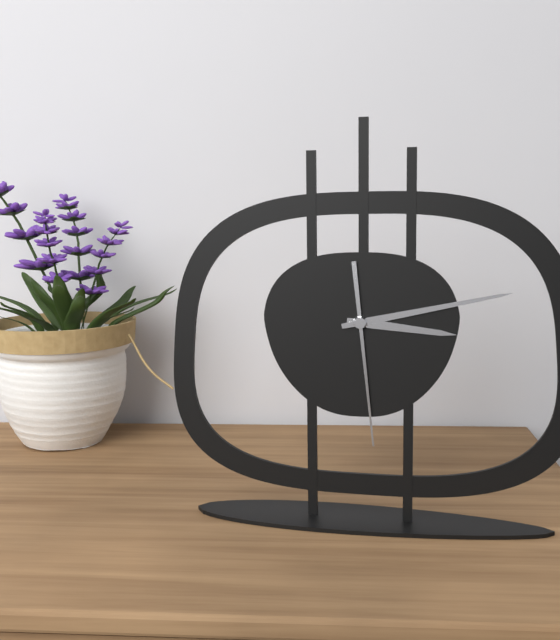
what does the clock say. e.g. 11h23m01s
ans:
3h13m29s
